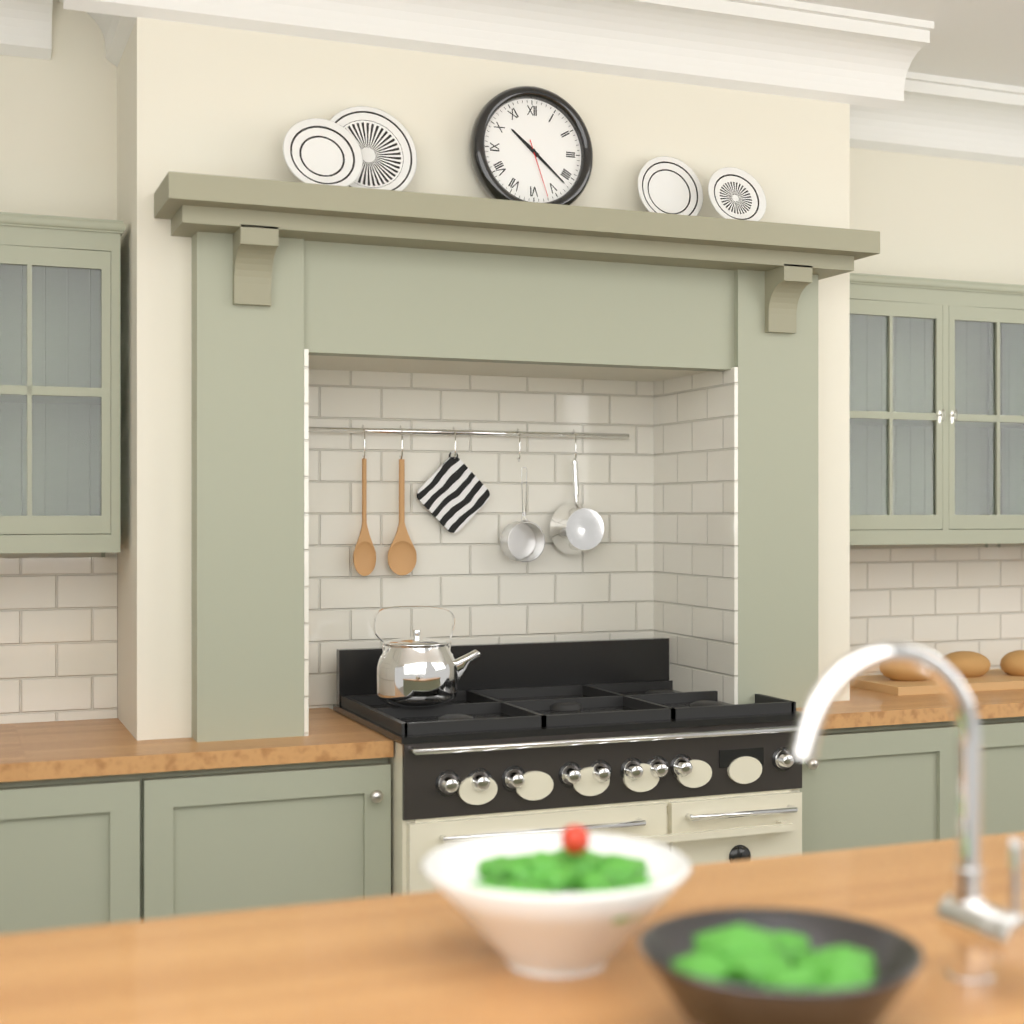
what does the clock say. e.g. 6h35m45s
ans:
10h22m27s
